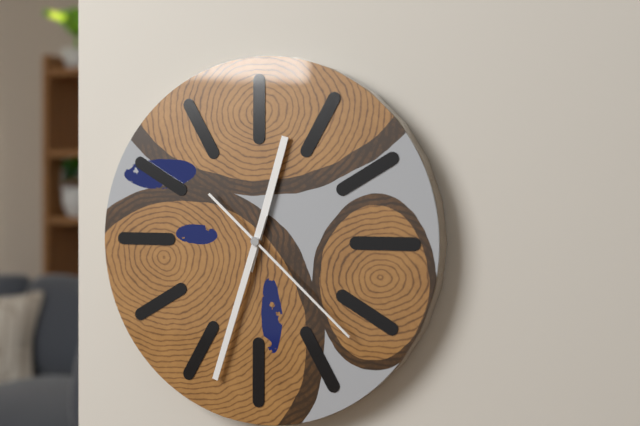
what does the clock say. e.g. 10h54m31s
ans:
12h33m22s
